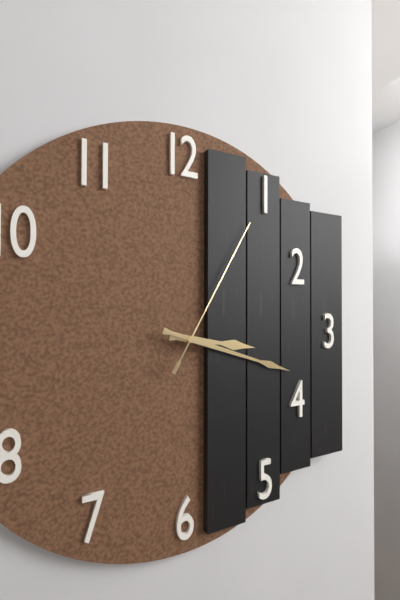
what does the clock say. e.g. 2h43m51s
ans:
3h18m05s
